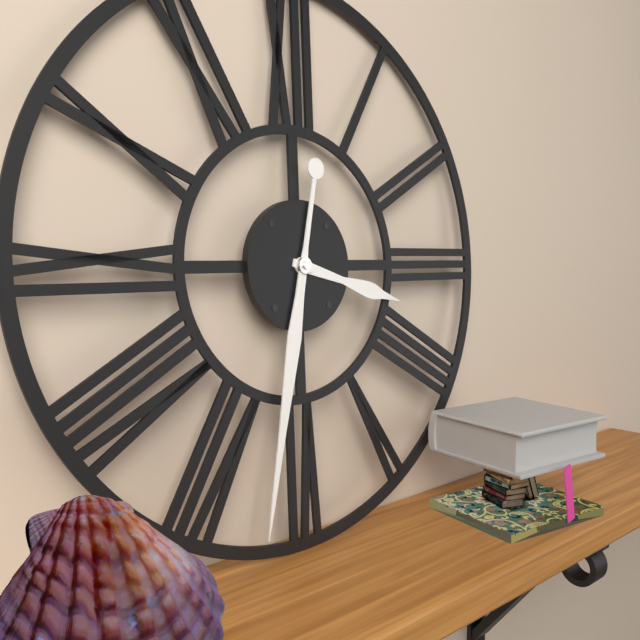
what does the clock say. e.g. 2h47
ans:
3h32
